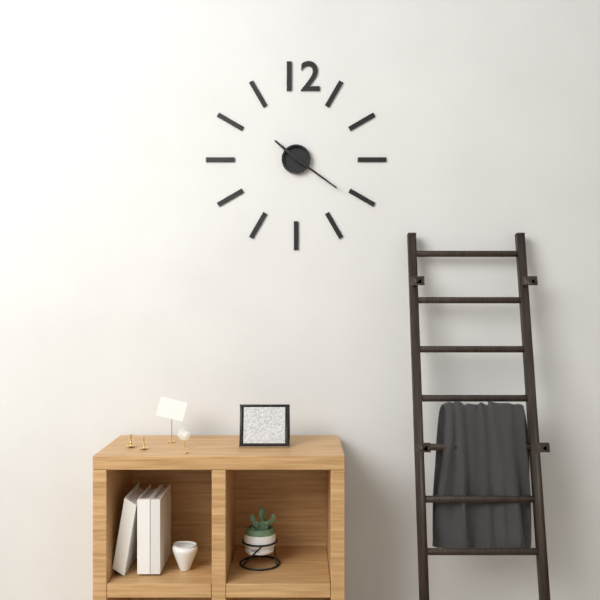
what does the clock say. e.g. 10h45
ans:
10h21
